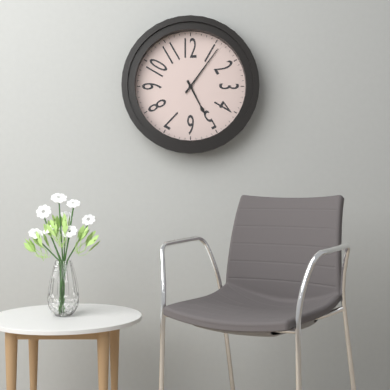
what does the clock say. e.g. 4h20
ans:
5h06
